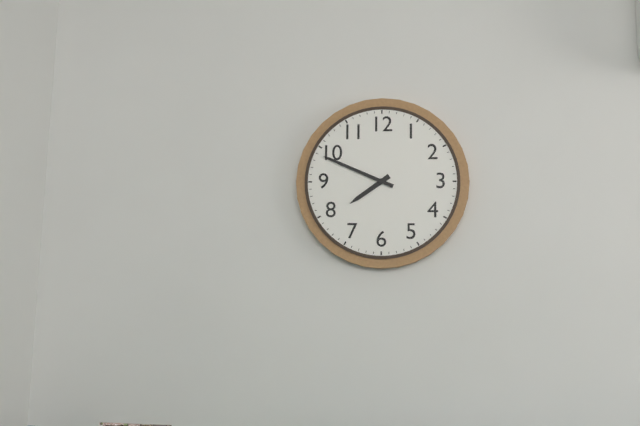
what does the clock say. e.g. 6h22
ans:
7h49
